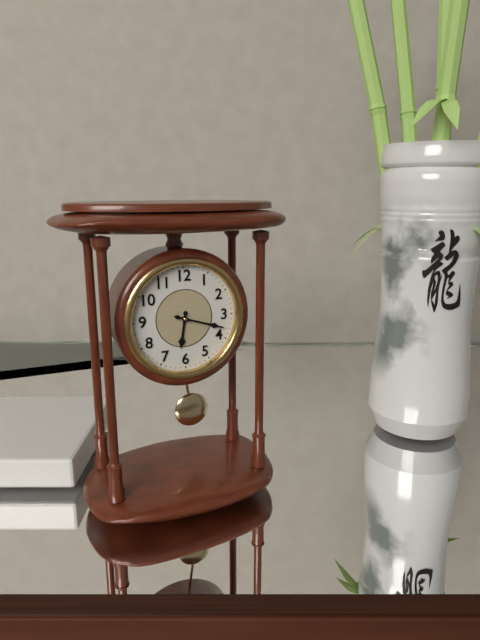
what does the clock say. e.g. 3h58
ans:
6h18
